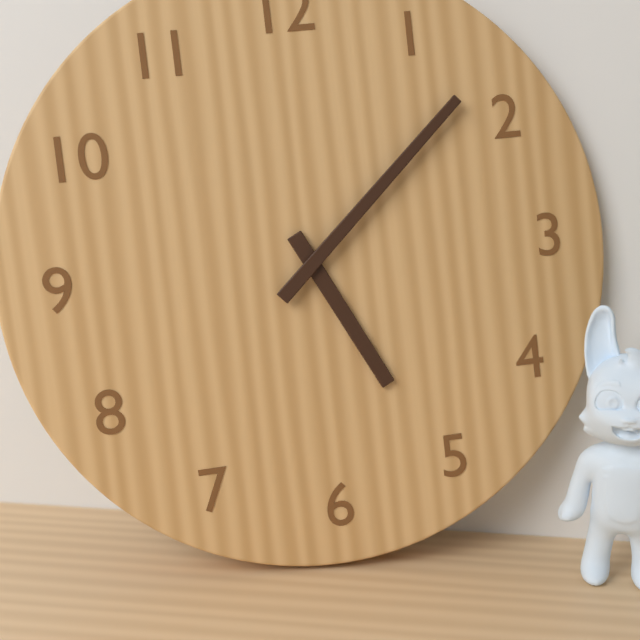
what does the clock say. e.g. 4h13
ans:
5h08
